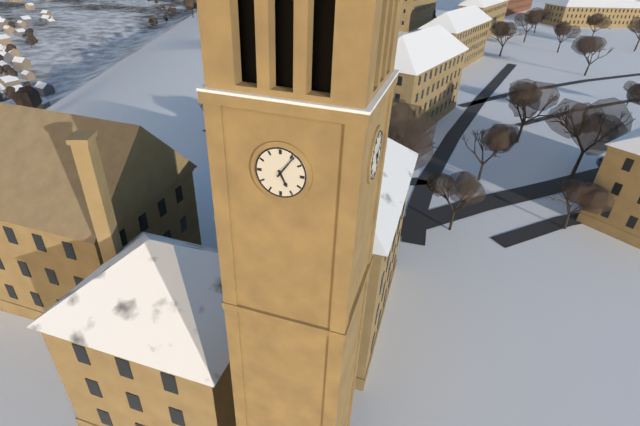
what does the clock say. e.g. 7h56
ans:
5h06
